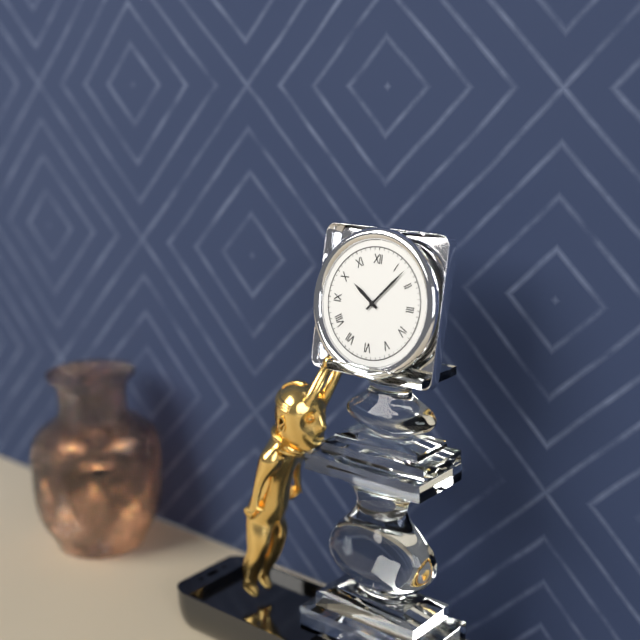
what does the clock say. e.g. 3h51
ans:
10h07
